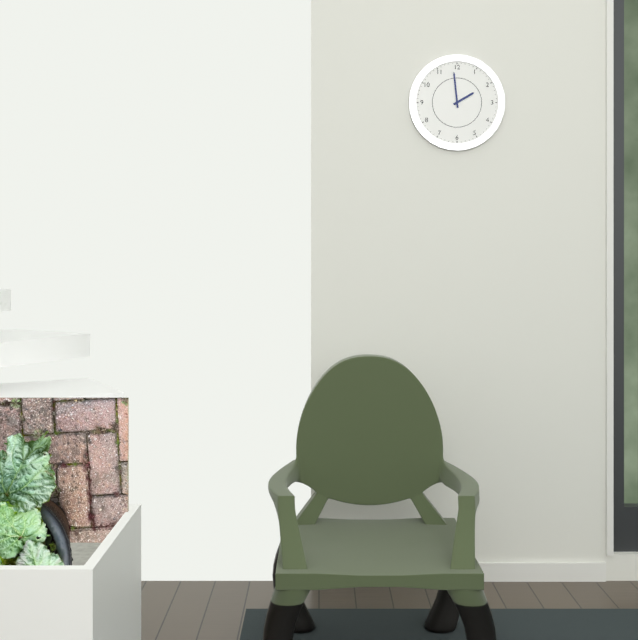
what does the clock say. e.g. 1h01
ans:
1h59
